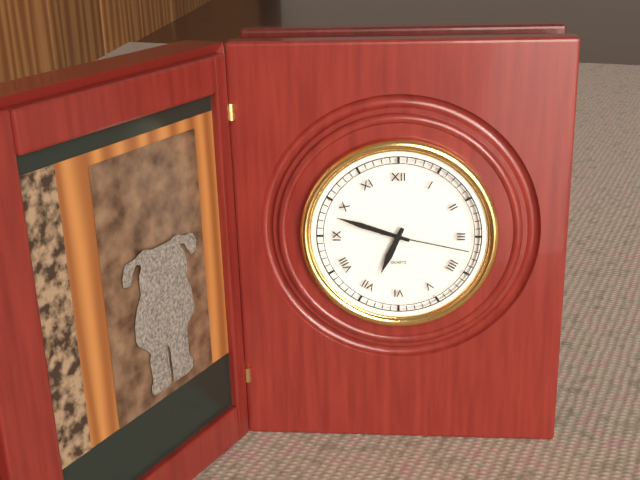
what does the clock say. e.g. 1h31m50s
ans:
6h48m17s
